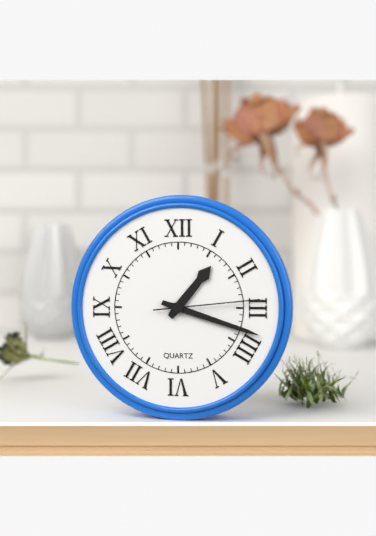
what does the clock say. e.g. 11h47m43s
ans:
1h18m14s
